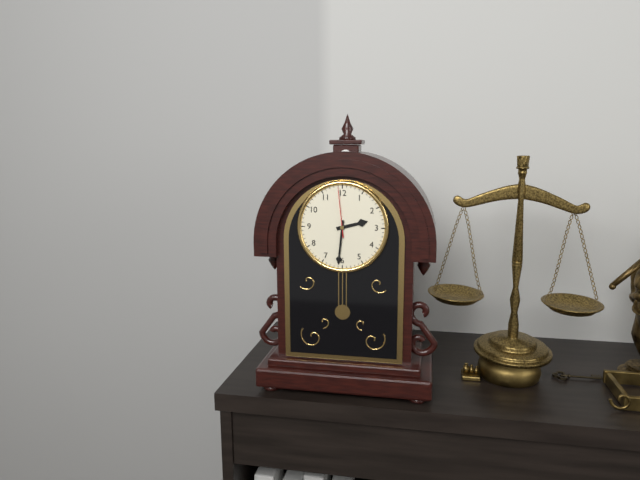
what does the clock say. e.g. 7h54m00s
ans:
2h31m59s
